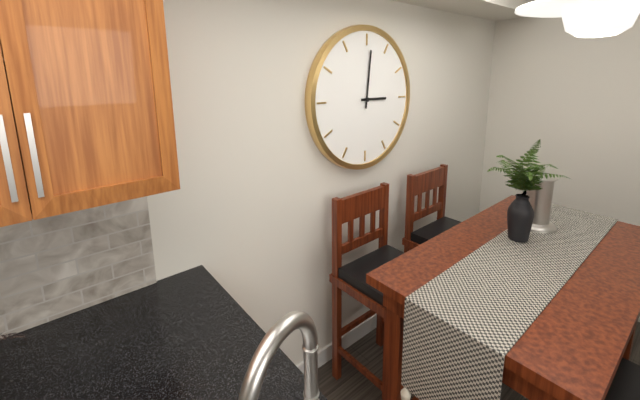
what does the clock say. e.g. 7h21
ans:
3h01
